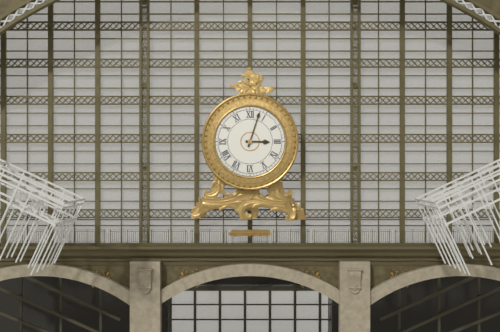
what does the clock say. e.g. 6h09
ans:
3h03
